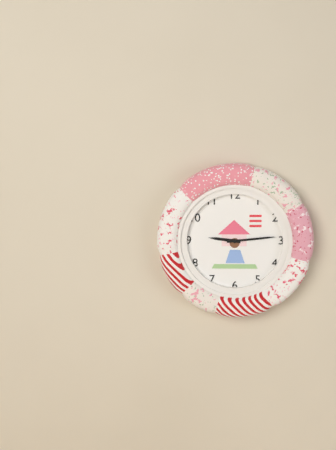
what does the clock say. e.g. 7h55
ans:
9h14
